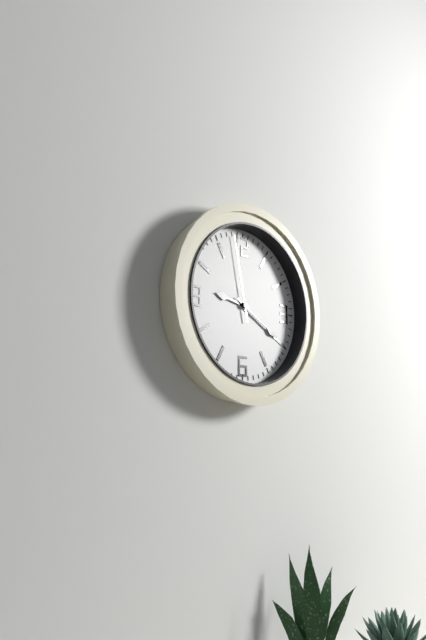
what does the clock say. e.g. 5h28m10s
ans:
9h20m58s
